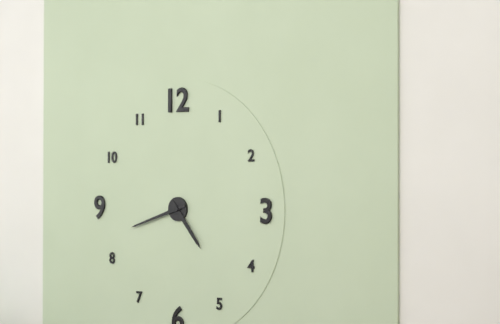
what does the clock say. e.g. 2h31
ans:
4h42
